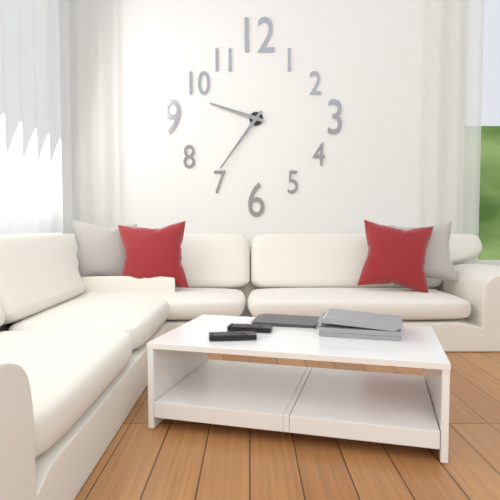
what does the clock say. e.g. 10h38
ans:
9h36
